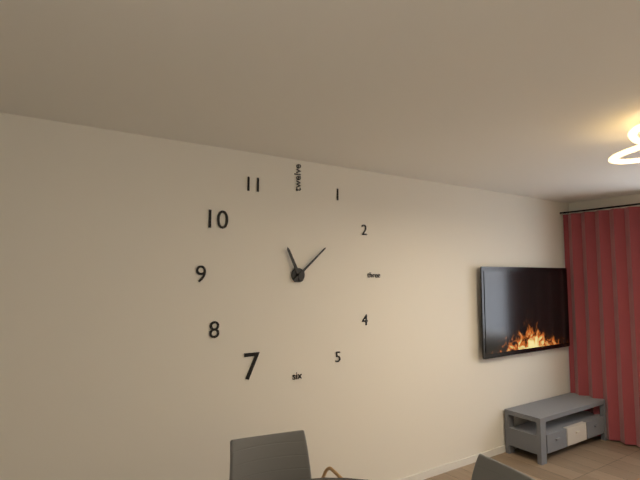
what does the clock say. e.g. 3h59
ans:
11h08
